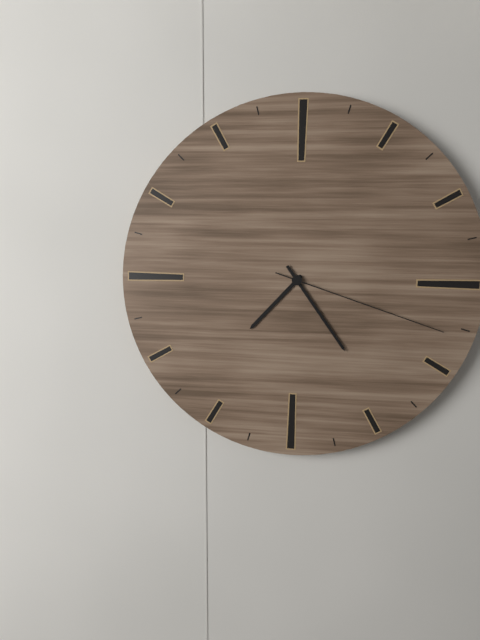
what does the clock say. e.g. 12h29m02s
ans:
7h24m18s
